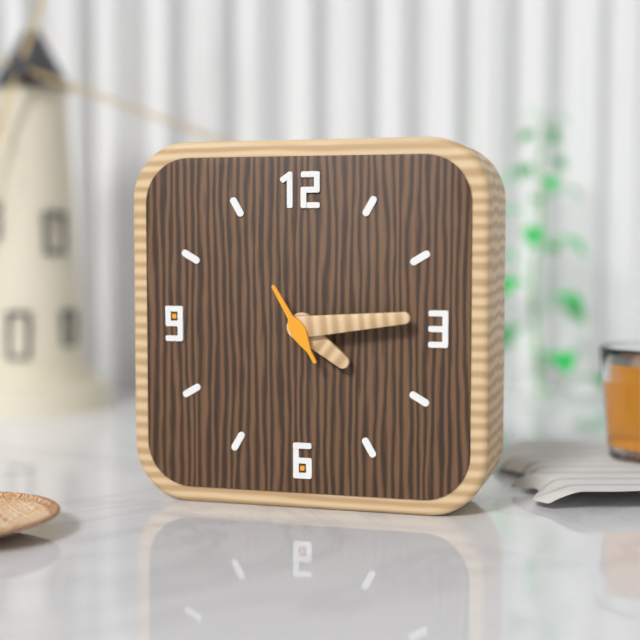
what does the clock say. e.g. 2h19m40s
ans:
4h14m55s
